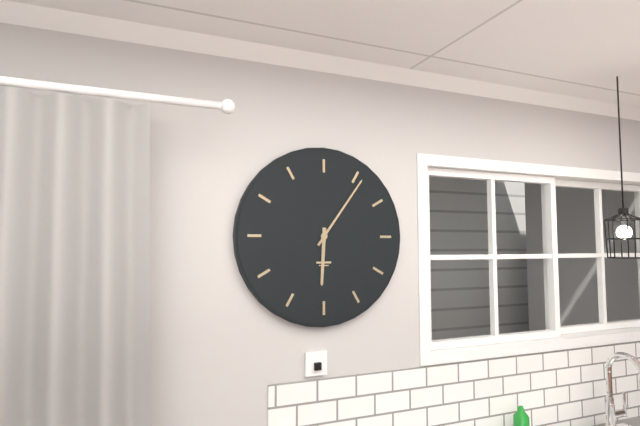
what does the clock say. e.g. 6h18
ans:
6h06
